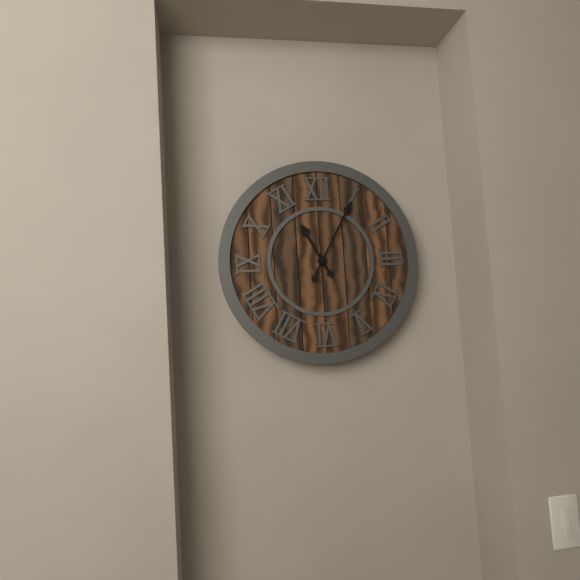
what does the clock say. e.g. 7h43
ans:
11h05
